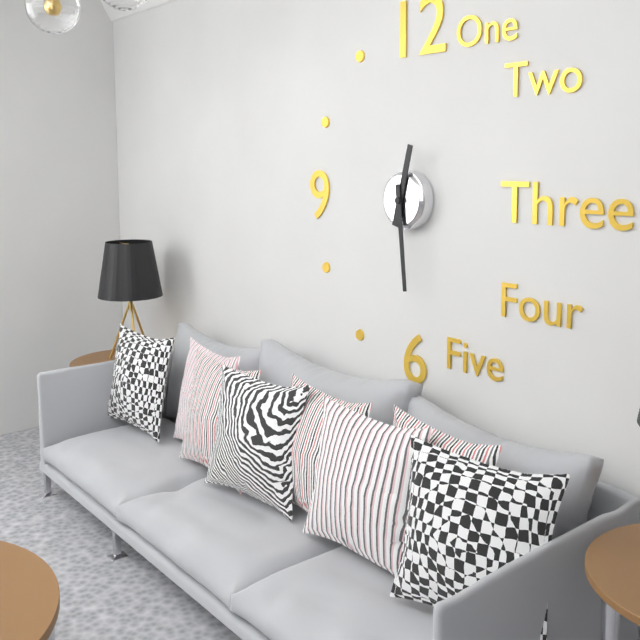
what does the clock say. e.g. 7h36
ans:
12h29
